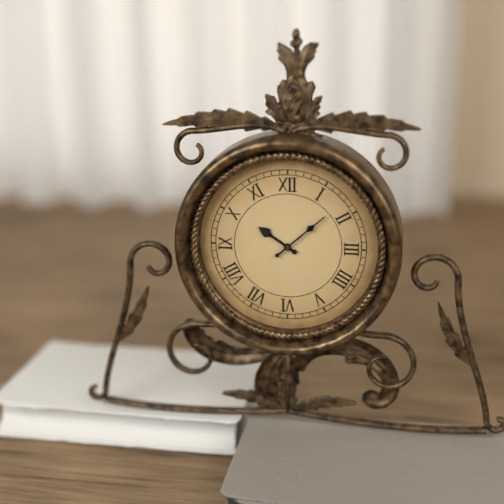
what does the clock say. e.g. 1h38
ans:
10h08
